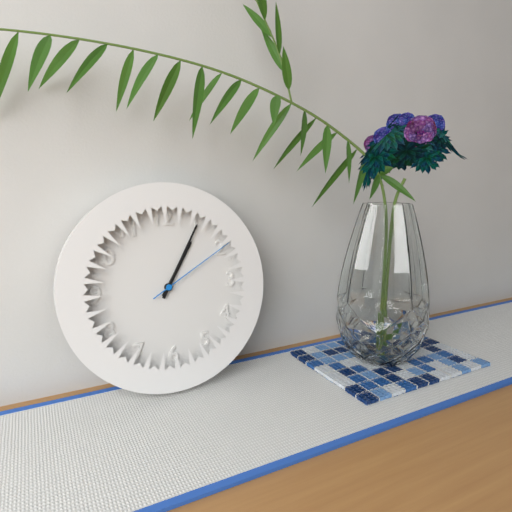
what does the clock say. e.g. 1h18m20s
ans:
1h05m10s
